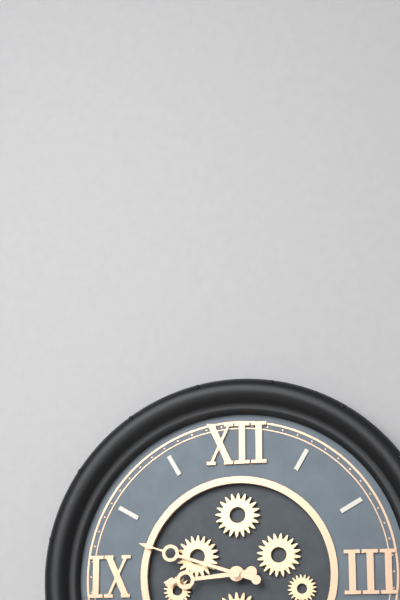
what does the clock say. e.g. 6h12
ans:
8h48
